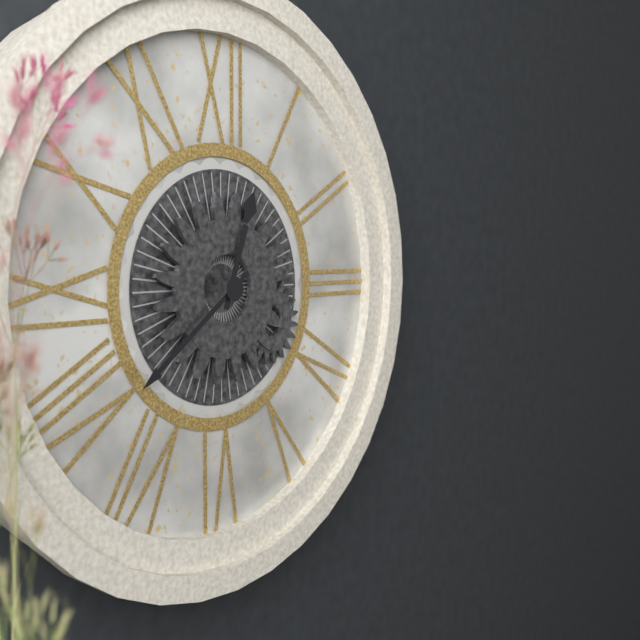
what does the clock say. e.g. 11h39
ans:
12h39
